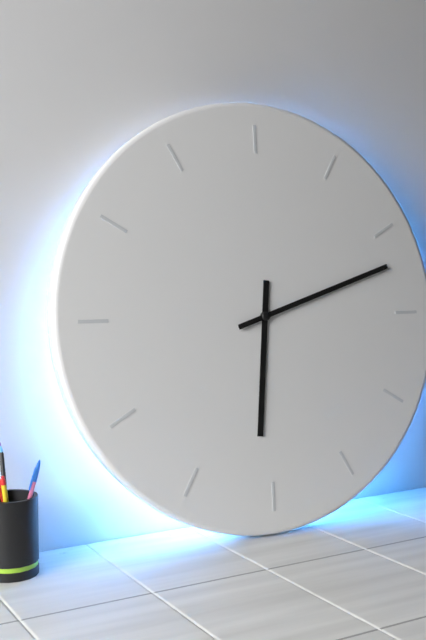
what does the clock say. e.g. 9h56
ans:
6h12
